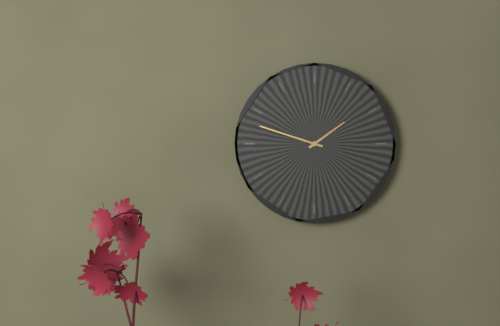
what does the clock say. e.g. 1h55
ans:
1h48
